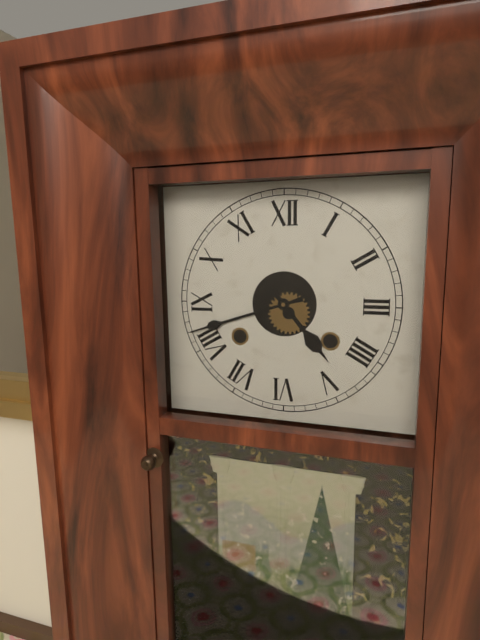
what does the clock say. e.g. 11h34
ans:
4h42
